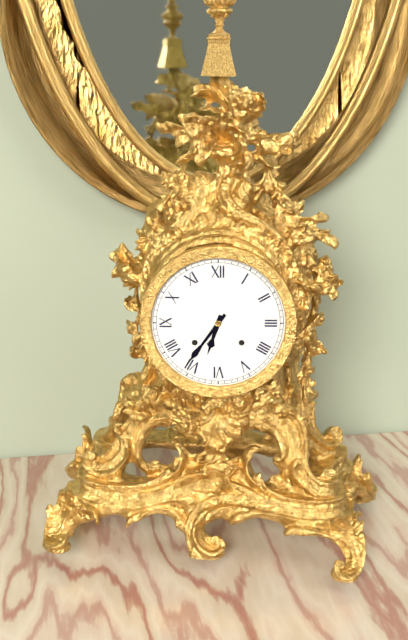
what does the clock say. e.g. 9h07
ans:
6h36
